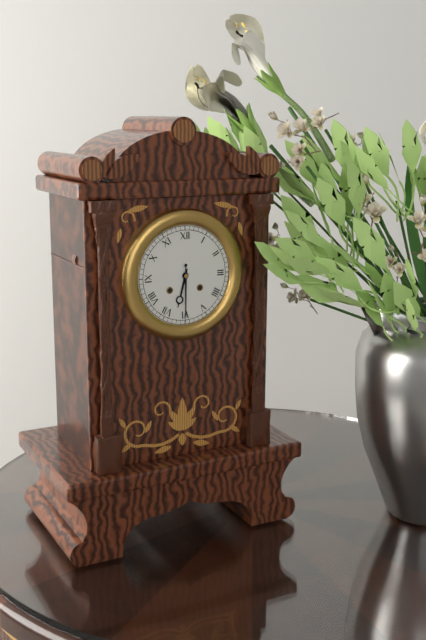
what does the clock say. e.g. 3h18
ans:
6h30
